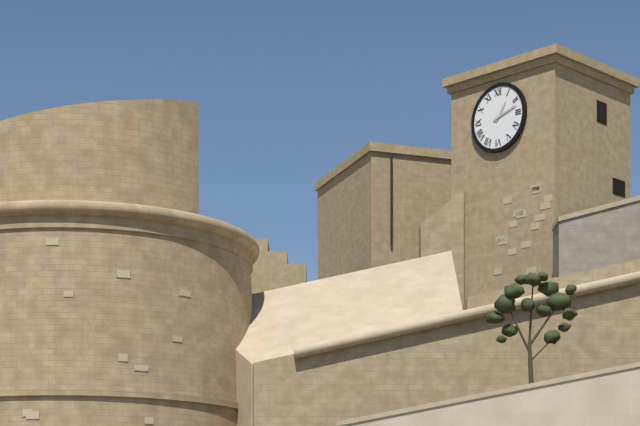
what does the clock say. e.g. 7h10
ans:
1h12
